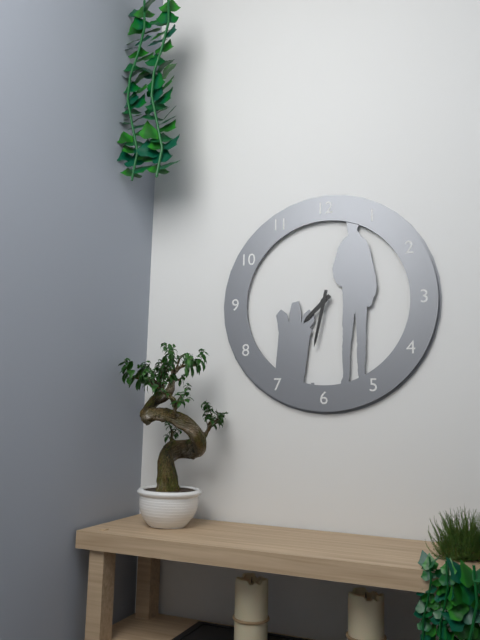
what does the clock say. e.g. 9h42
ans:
7h32
